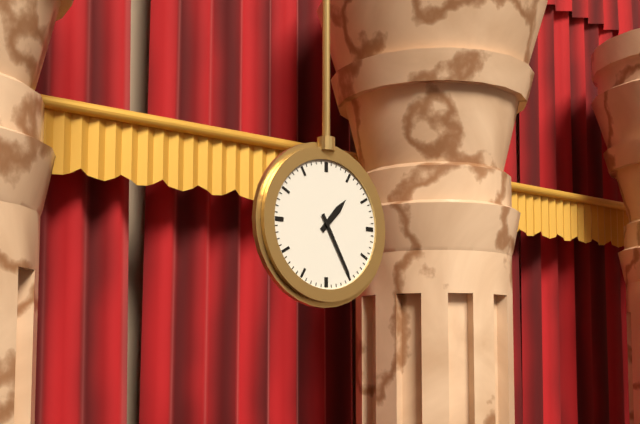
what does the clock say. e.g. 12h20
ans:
1h25
